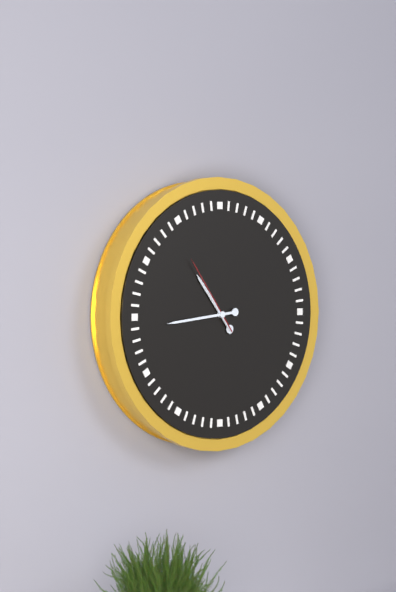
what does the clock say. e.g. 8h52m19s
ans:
10h44m54s
